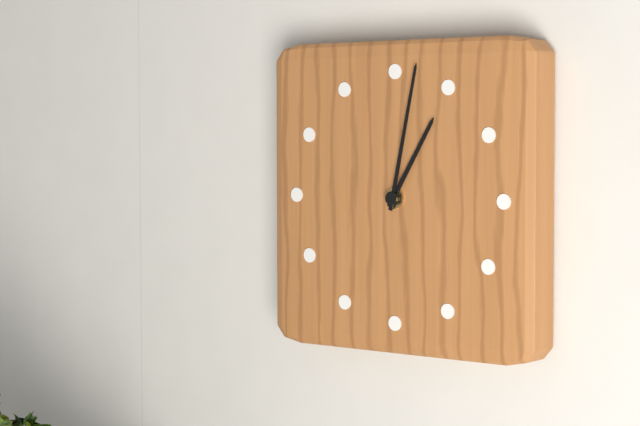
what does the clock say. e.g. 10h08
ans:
1h02
